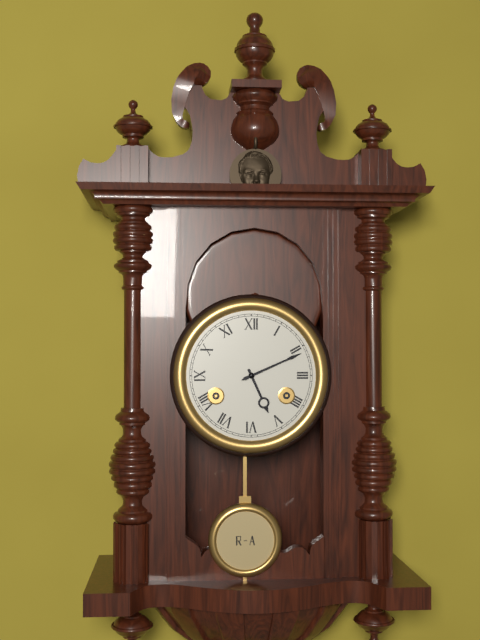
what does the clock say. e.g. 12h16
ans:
5h11
